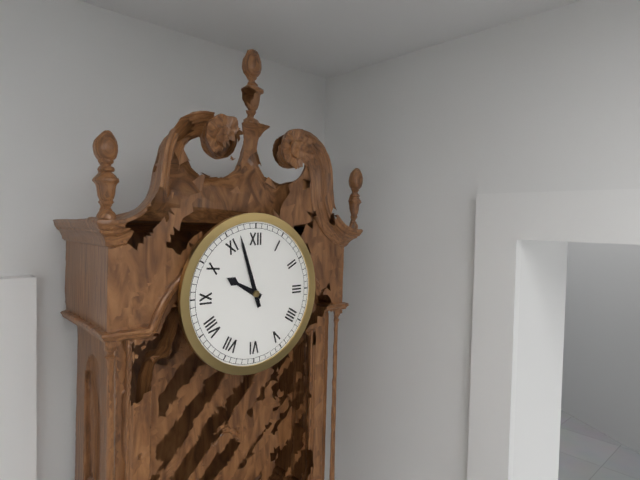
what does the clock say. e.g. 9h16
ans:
9h57
